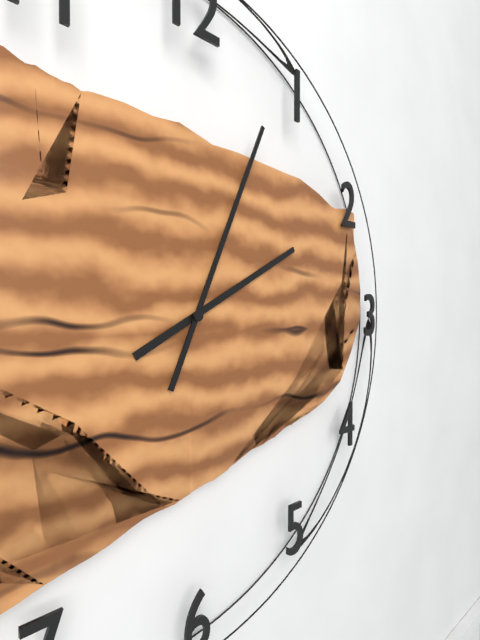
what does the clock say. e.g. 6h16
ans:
2h04
